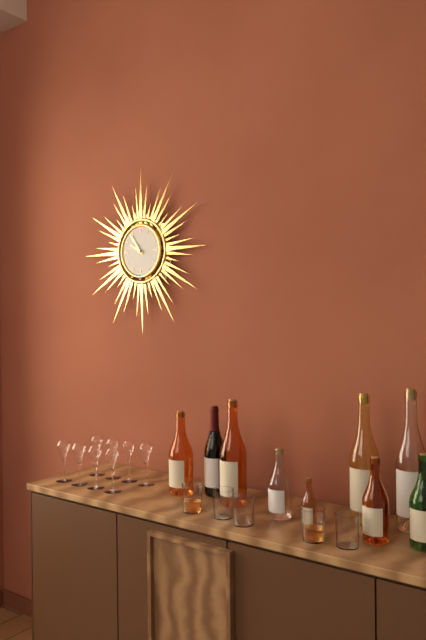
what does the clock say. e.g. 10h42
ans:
9h54
